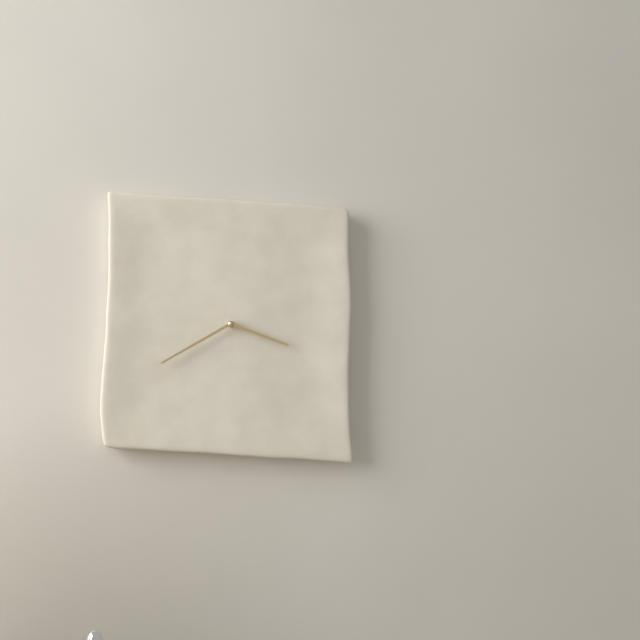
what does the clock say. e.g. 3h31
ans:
3h40
